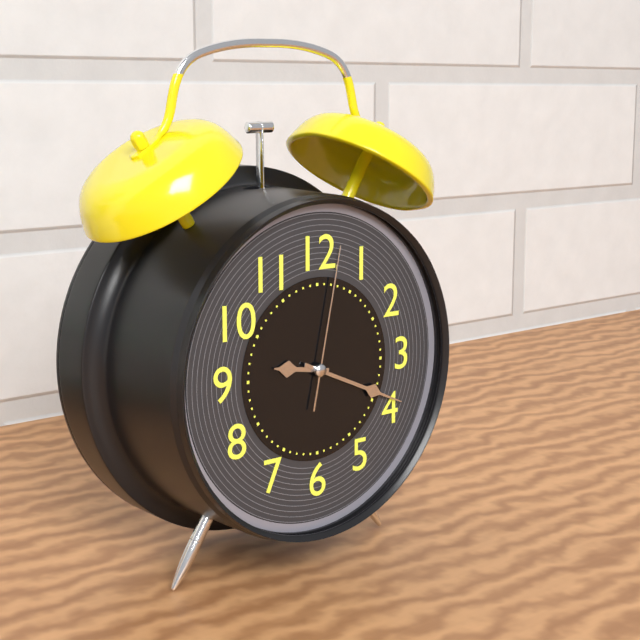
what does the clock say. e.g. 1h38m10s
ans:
9h19m02s
